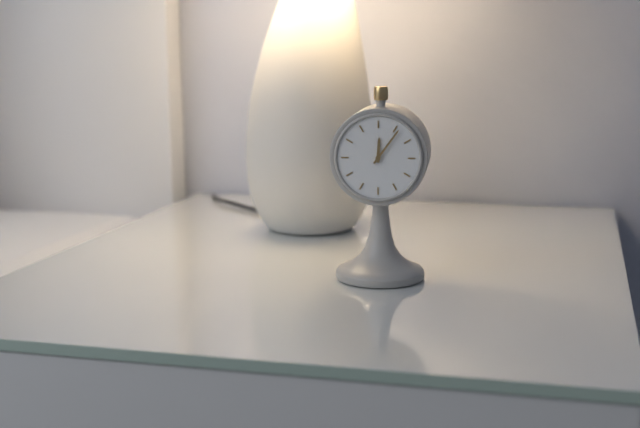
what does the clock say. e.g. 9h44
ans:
12h06
